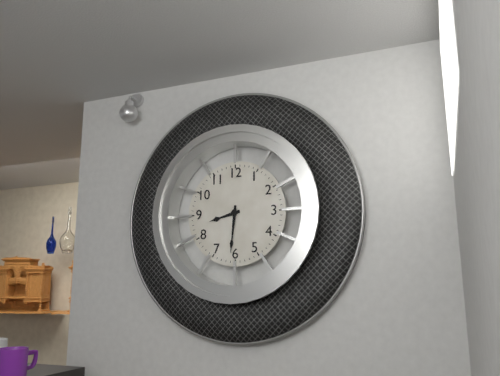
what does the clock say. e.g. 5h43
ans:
8h31
